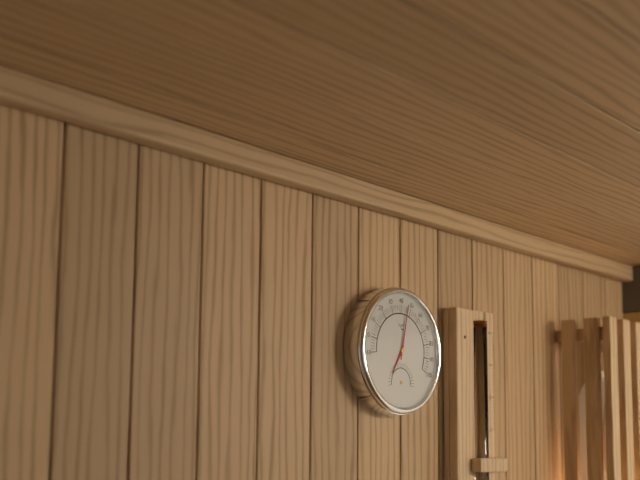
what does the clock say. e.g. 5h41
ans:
7h02
